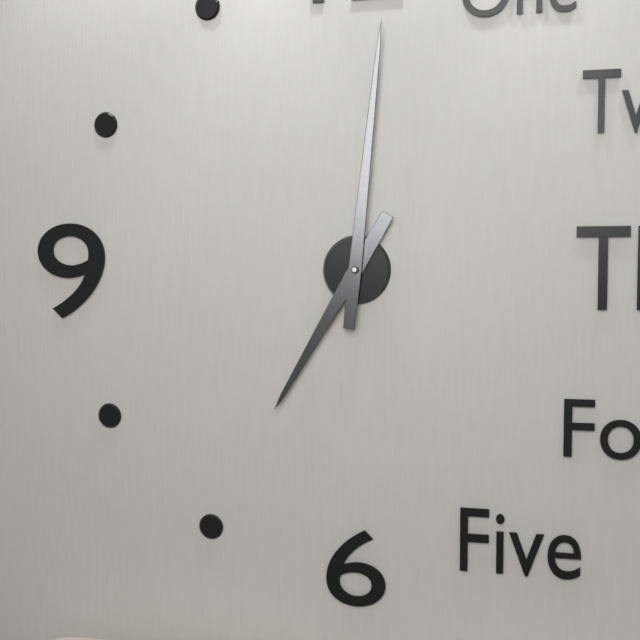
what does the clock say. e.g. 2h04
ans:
7h01
